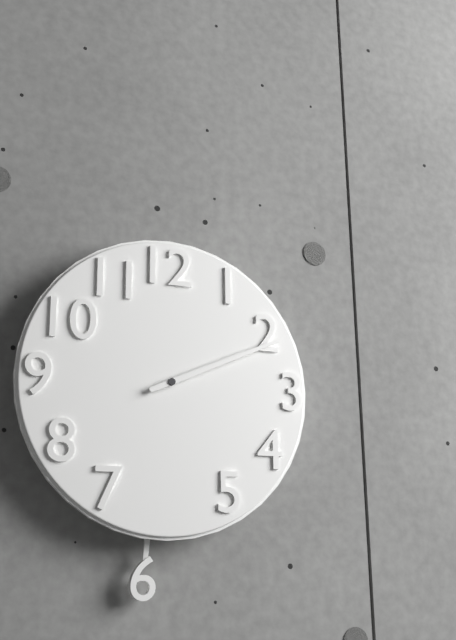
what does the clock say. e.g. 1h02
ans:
2h11
